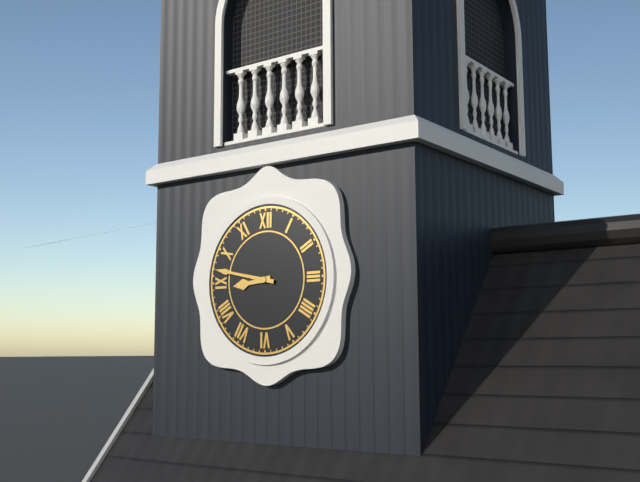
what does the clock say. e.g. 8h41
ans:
8h47
